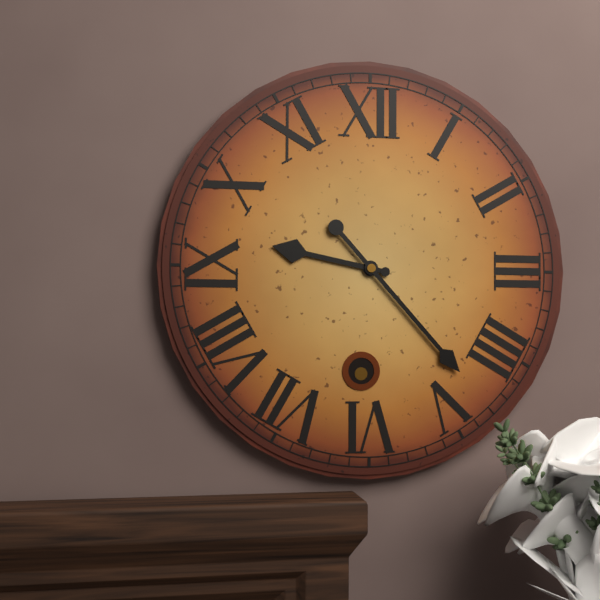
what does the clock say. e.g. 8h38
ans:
9h23
